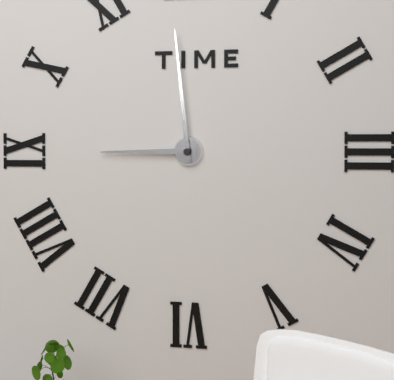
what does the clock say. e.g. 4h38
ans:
8h59
